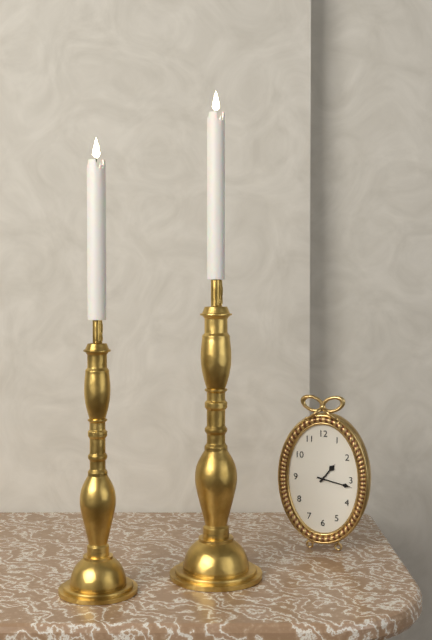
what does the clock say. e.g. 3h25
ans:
1h17
